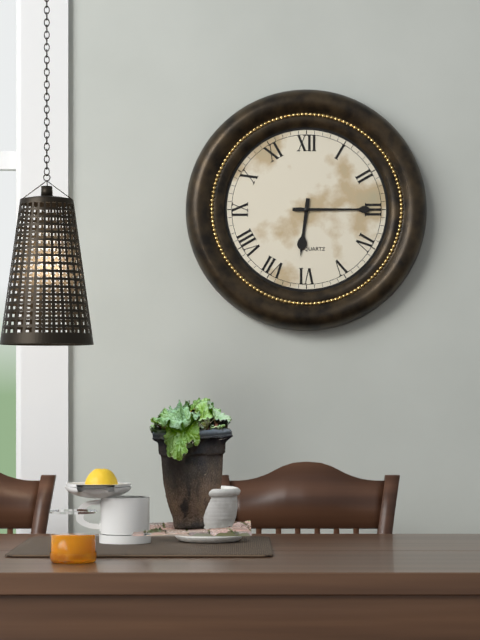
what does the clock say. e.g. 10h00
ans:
6h15
